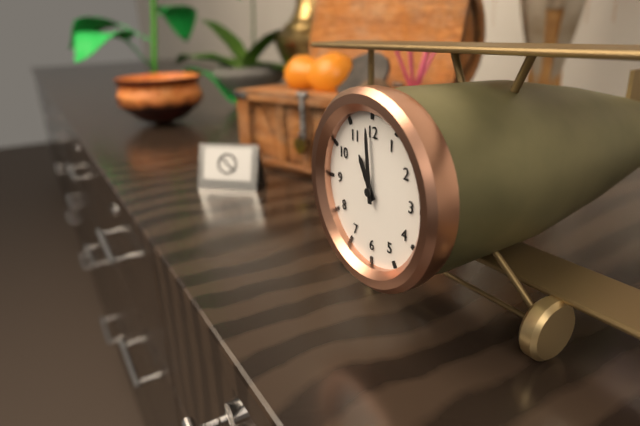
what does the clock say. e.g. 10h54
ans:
10h59
